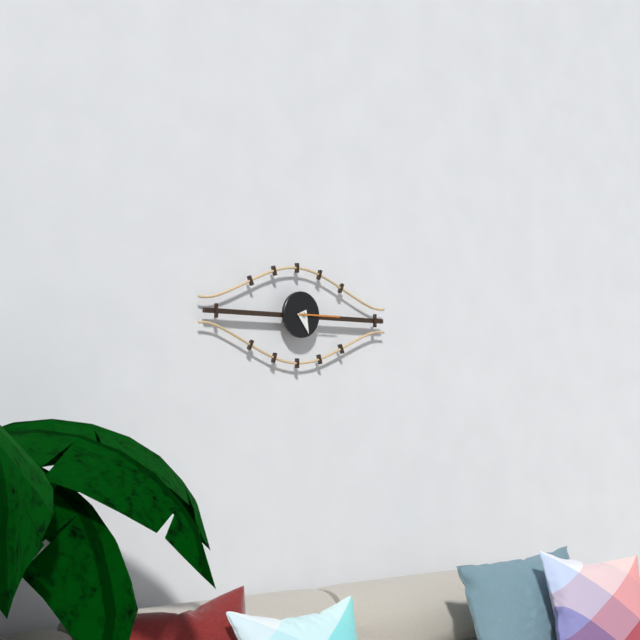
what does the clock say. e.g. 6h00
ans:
5h15
